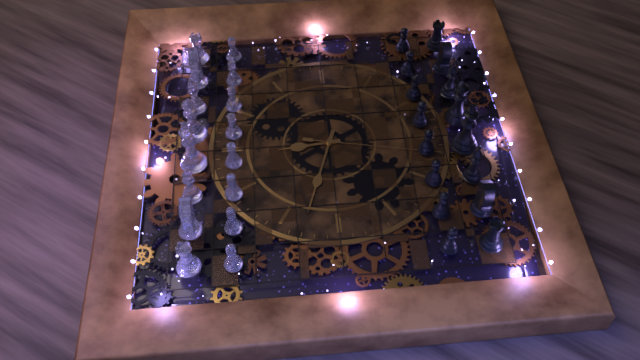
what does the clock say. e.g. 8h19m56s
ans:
11h48m32s
